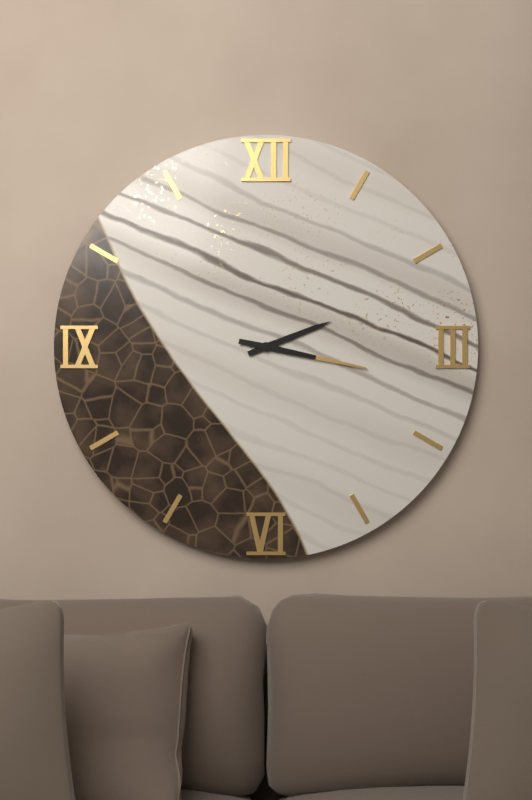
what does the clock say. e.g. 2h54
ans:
2h17
